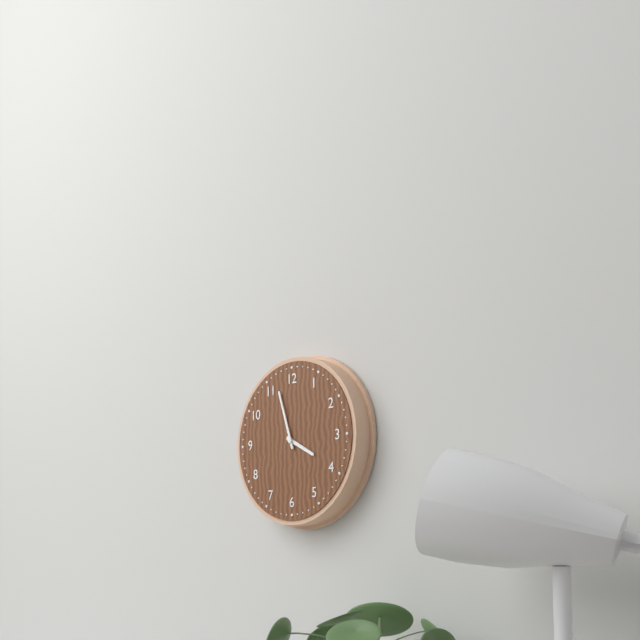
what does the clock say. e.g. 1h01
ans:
3h57
